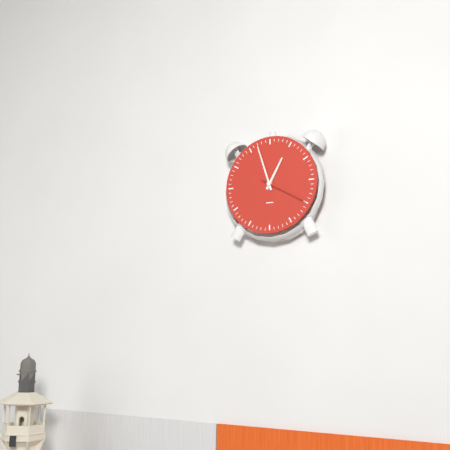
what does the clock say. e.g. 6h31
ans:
12h57
